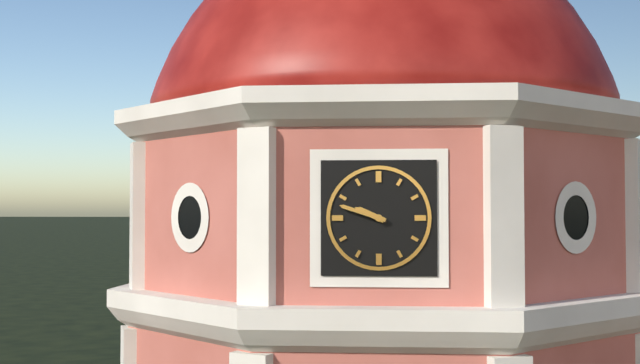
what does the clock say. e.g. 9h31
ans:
9h48
